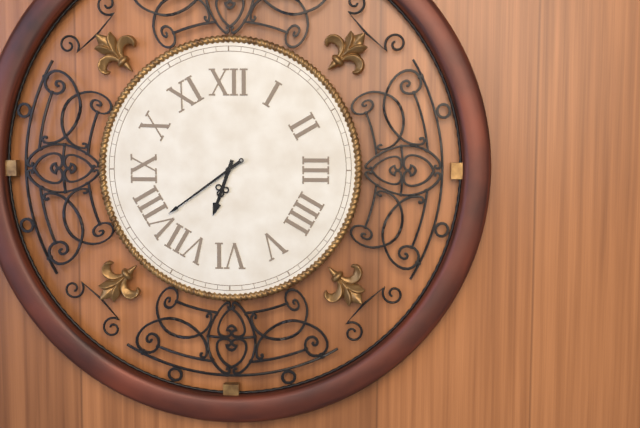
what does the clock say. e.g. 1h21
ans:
6h39
